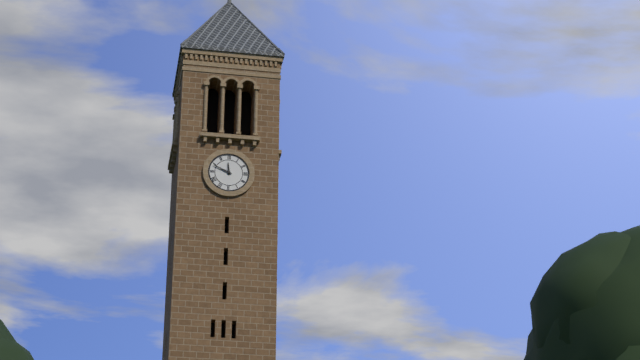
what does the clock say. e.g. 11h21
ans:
11h49
